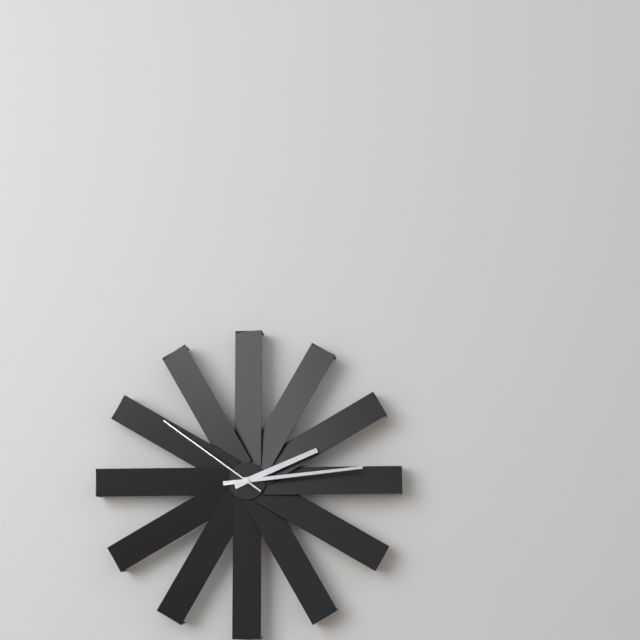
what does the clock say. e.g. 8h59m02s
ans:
2h14m51s
